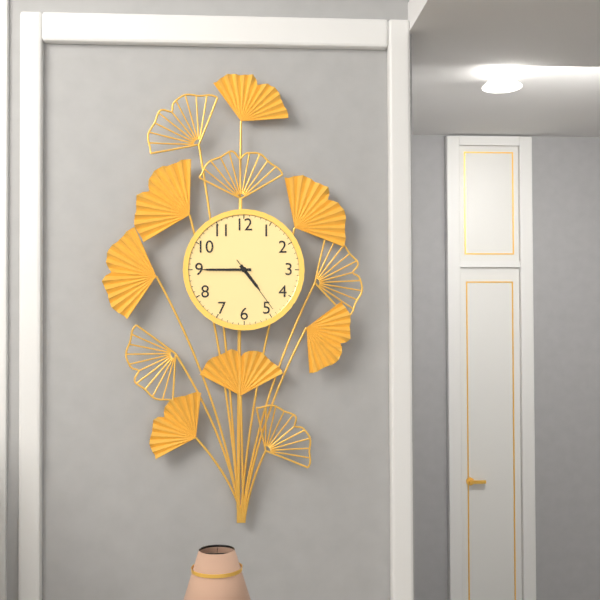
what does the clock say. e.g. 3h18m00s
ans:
4h45m24s
